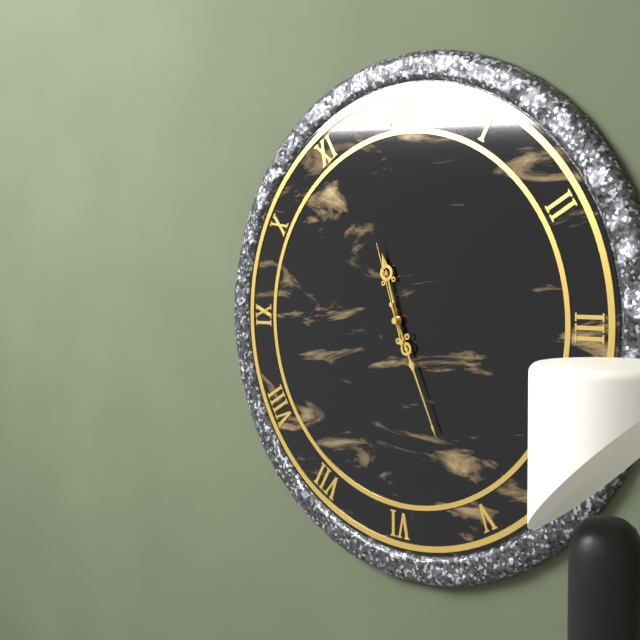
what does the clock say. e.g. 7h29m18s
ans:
11h26m57s
